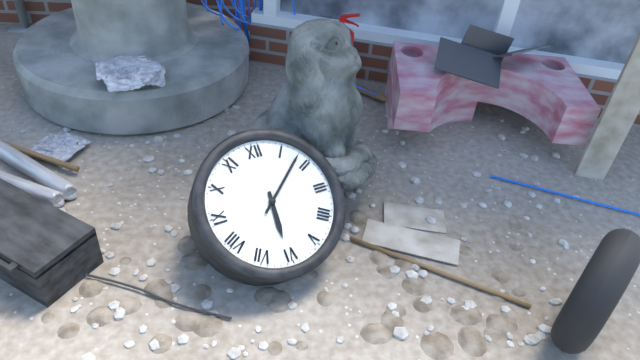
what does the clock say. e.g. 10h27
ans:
6h08
